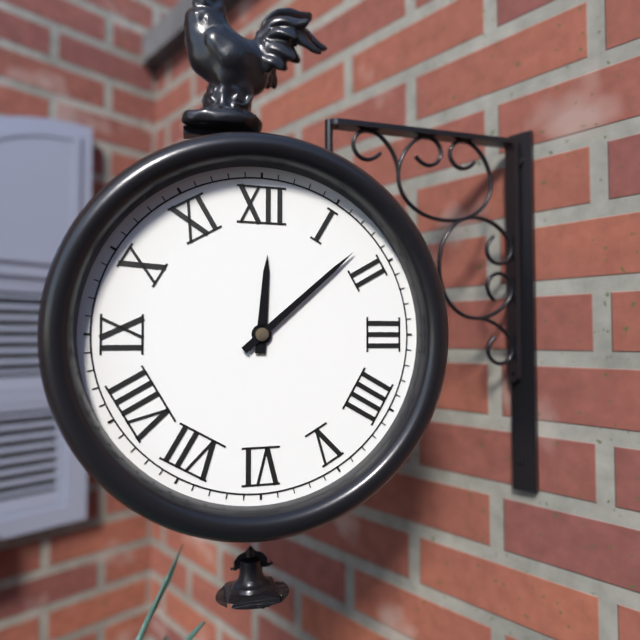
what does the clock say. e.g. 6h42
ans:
12h08
